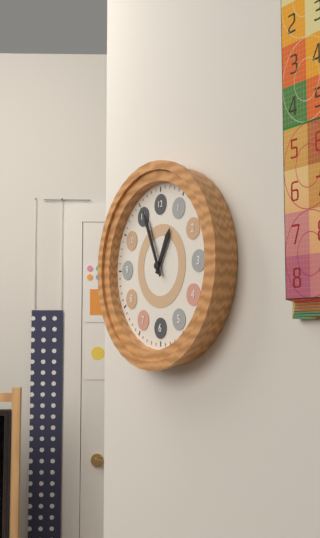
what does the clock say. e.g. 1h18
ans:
12h56
